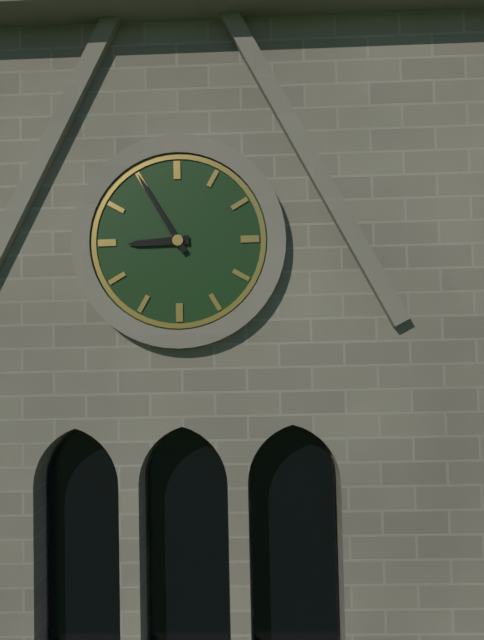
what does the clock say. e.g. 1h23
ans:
8h55
